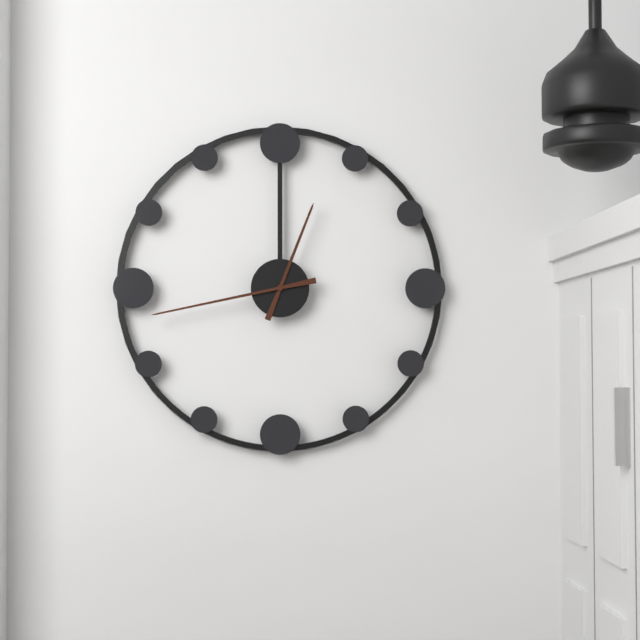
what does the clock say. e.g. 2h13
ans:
12h43
